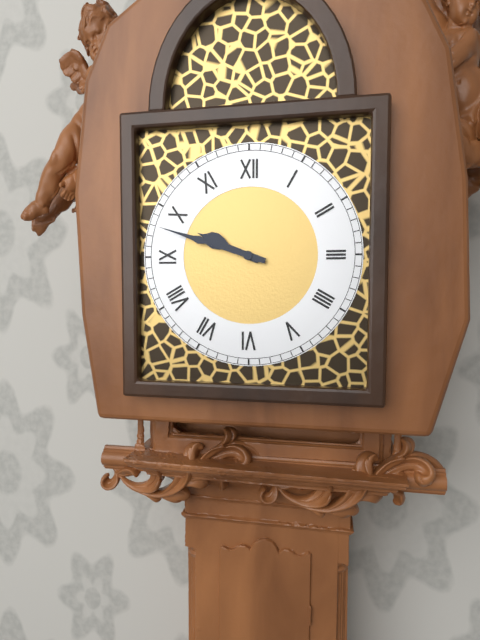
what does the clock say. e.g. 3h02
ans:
9h48
